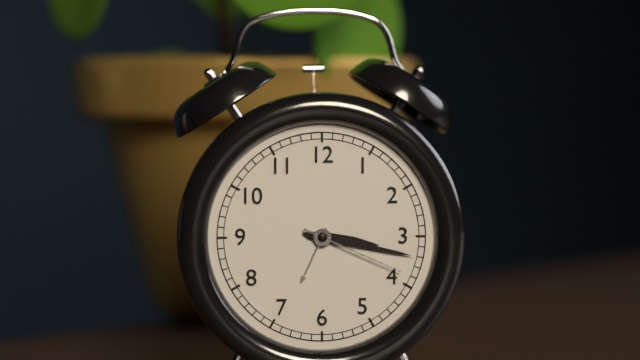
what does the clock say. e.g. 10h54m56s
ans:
3h17m19s
